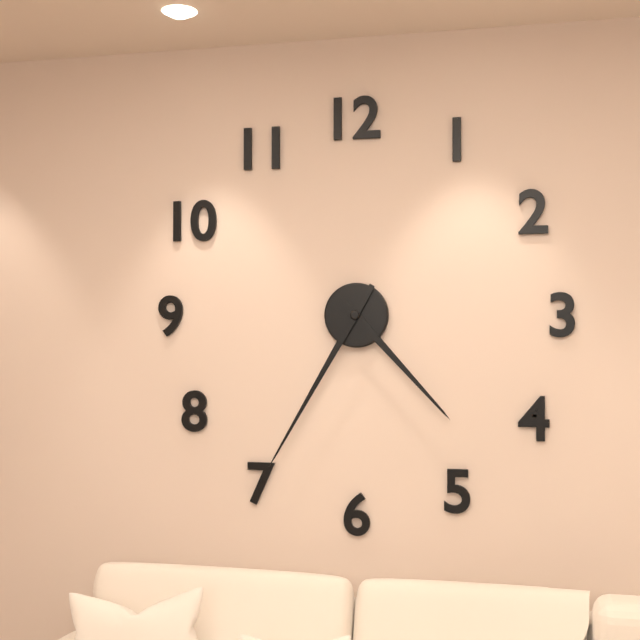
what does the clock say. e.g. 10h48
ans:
4h35
